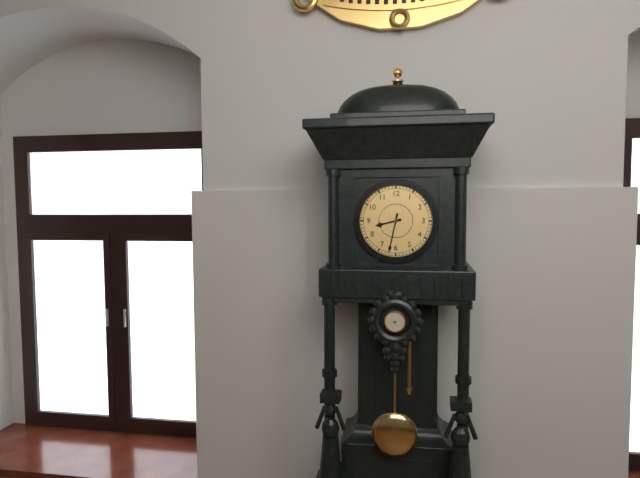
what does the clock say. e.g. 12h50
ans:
8h32
